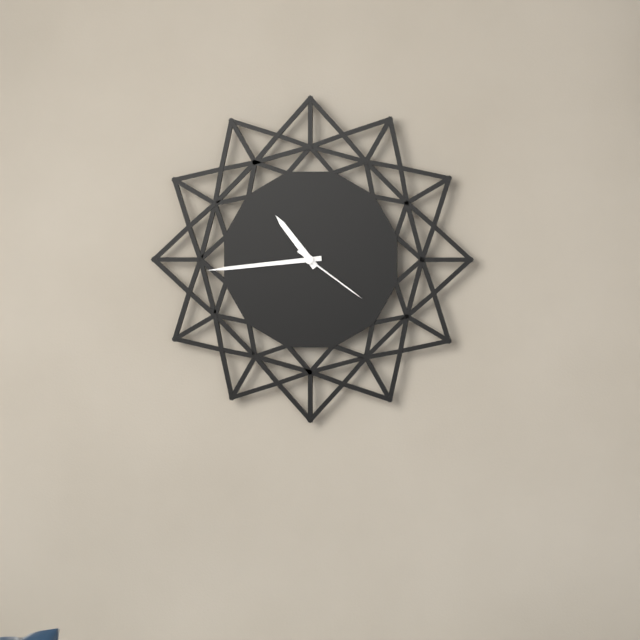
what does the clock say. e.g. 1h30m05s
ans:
10h44m21s
